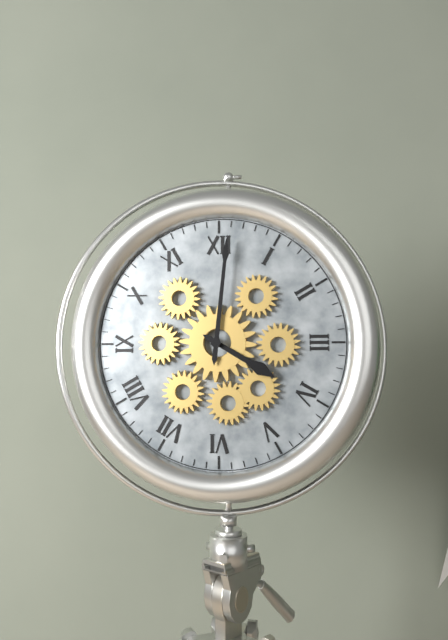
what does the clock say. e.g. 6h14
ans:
4h01
